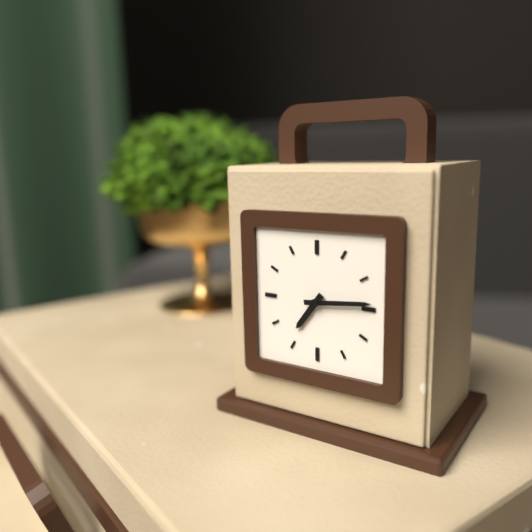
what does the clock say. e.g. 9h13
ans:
7h14
